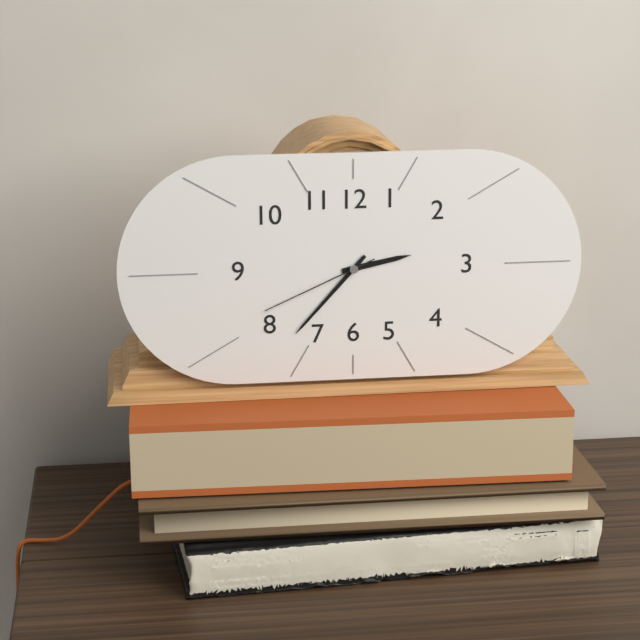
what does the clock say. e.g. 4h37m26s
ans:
2h37m41s
